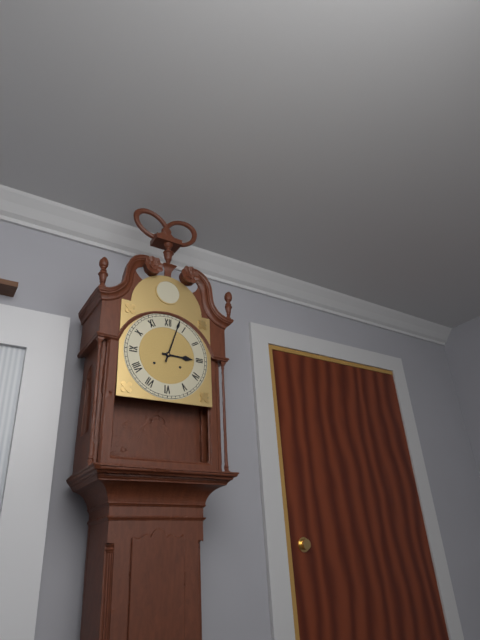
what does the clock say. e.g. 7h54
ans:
3h03
